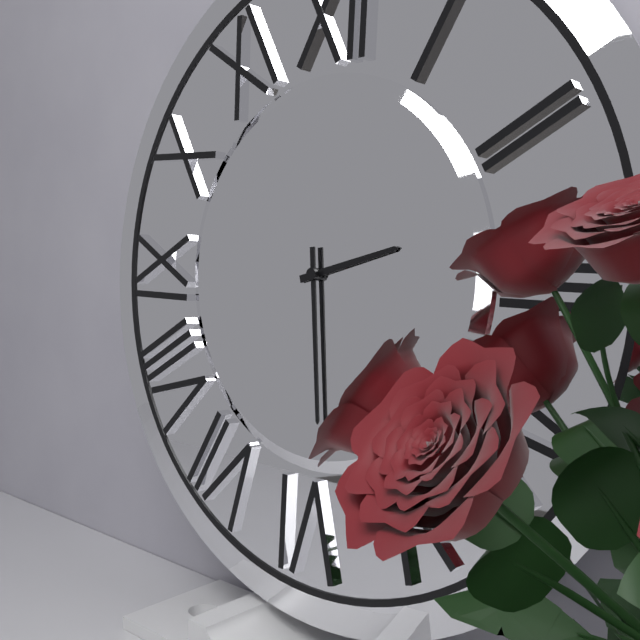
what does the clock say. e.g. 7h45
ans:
2h29
